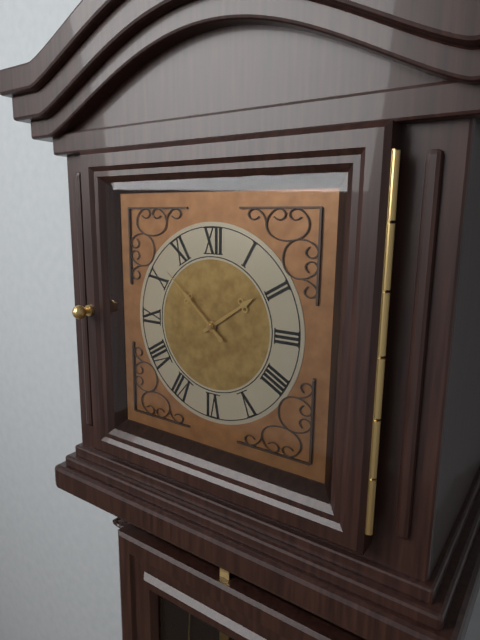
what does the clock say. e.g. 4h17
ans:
1h52
